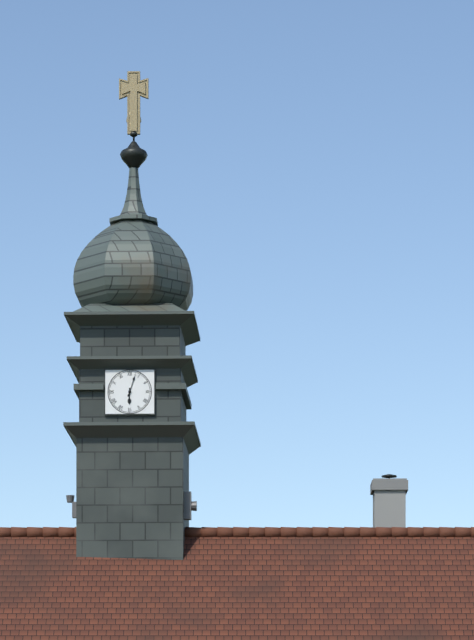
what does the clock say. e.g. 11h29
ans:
6h03
